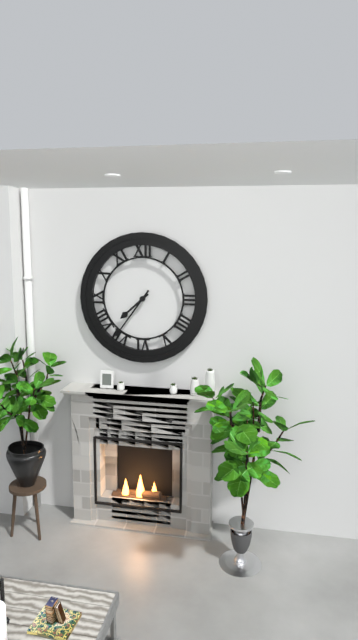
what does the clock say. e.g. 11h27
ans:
7h36
